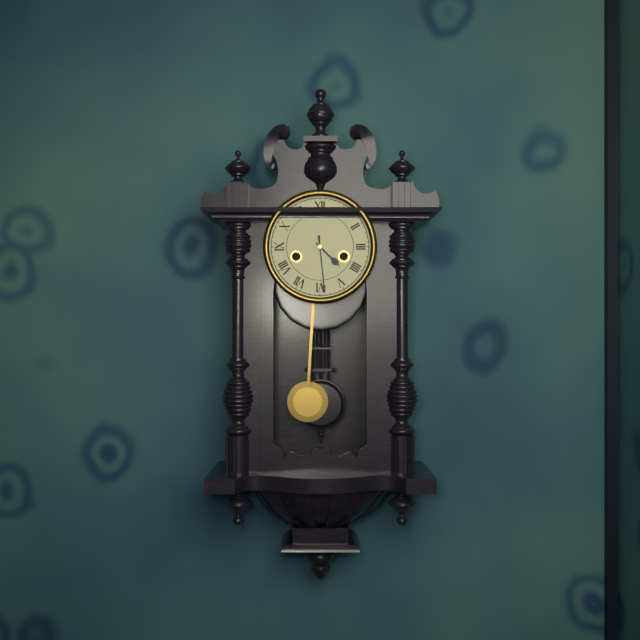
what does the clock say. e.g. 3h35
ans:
4h29
